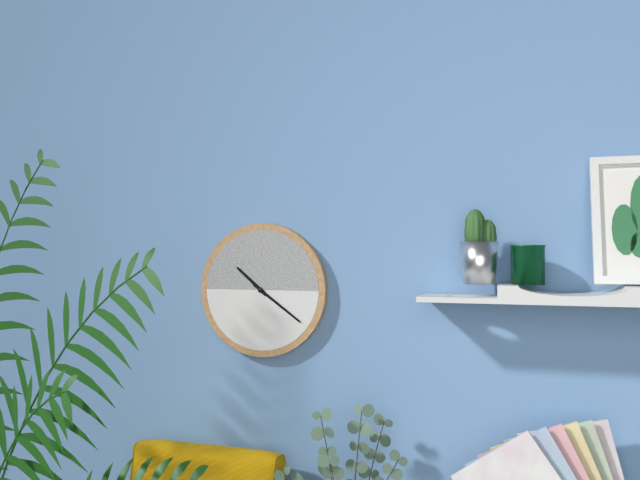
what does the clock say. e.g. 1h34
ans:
10h21
